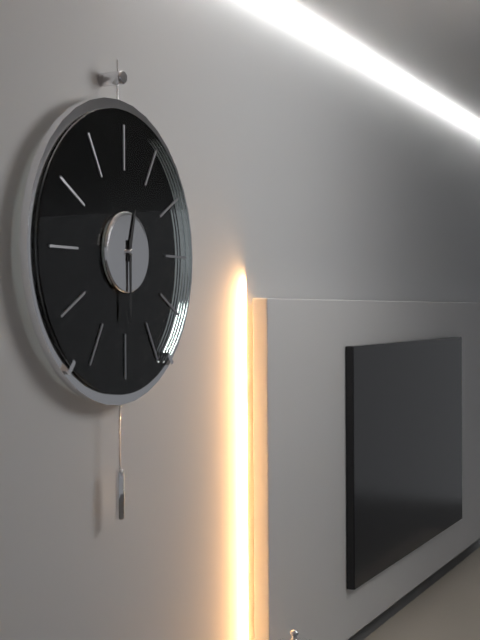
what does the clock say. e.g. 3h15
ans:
12h30
